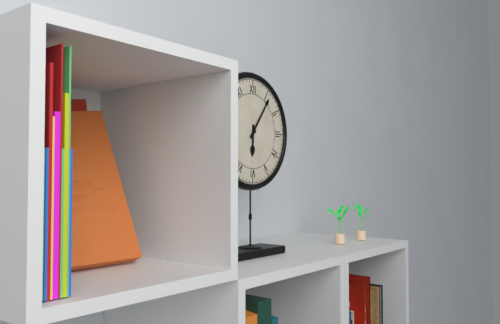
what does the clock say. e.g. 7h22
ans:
6h06
